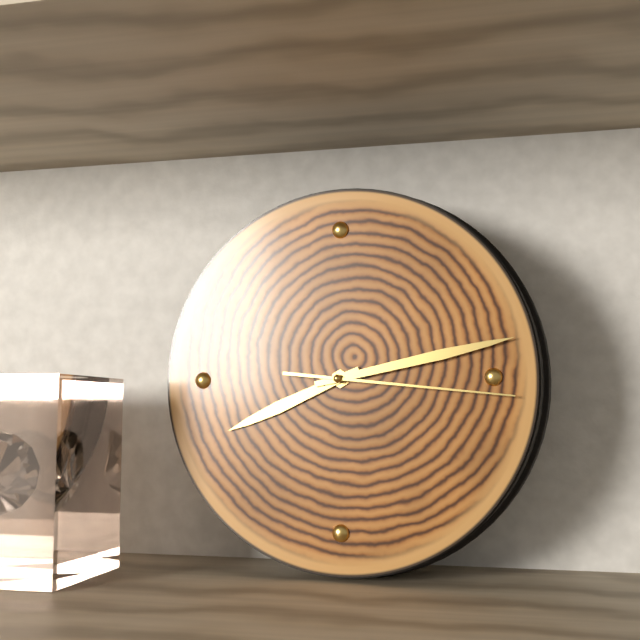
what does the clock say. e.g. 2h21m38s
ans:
8h13m16s
